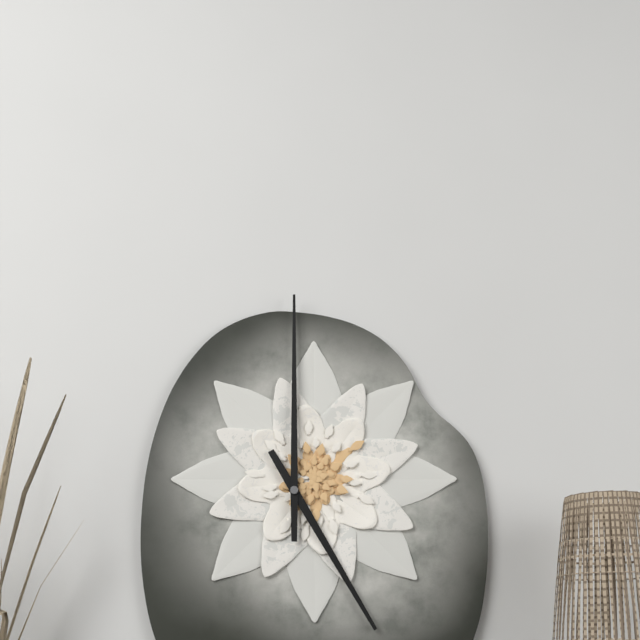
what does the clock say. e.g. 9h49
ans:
5h00
